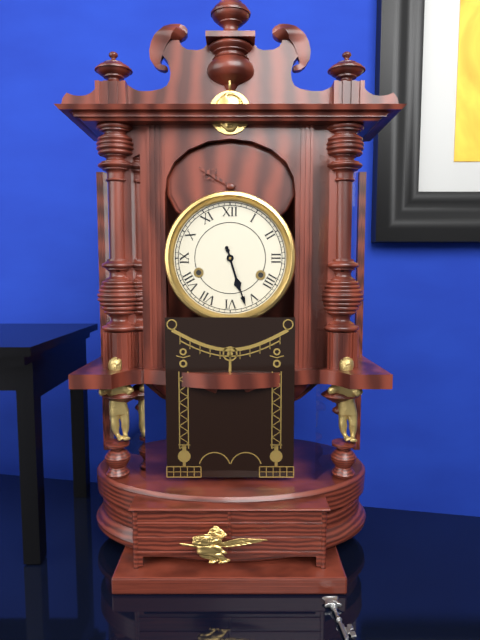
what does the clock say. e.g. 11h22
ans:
5h27
